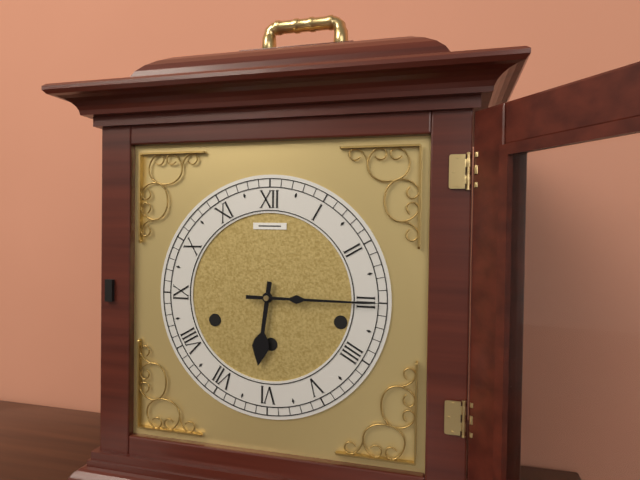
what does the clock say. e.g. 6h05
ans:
6h15
